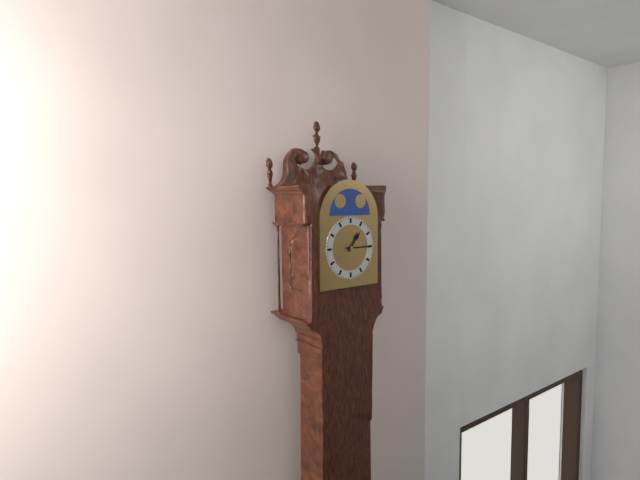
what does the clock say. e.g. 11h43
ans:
1h15
